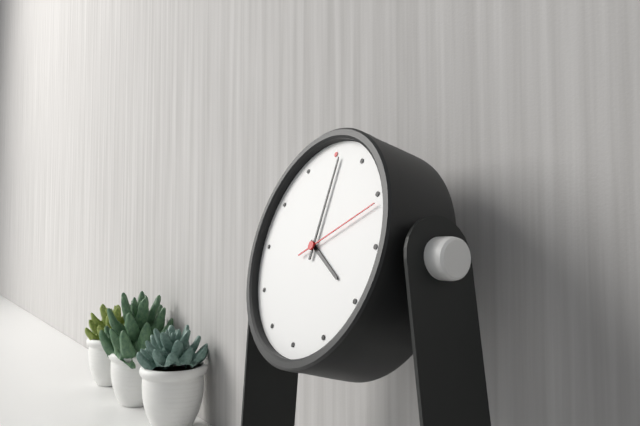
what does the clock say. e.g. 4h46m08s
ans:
4h01m11s
